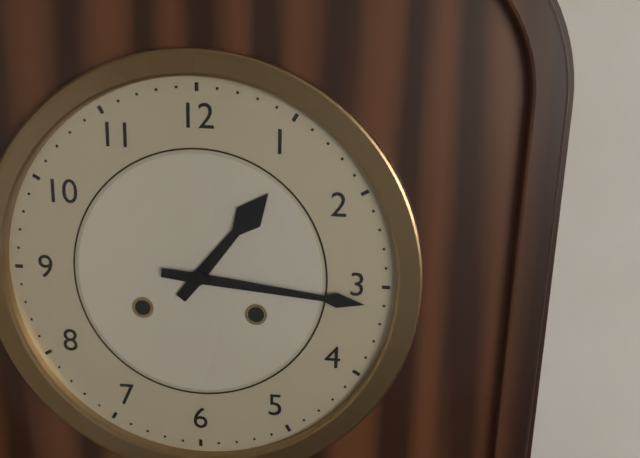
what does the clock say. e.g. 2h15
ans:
1h16
